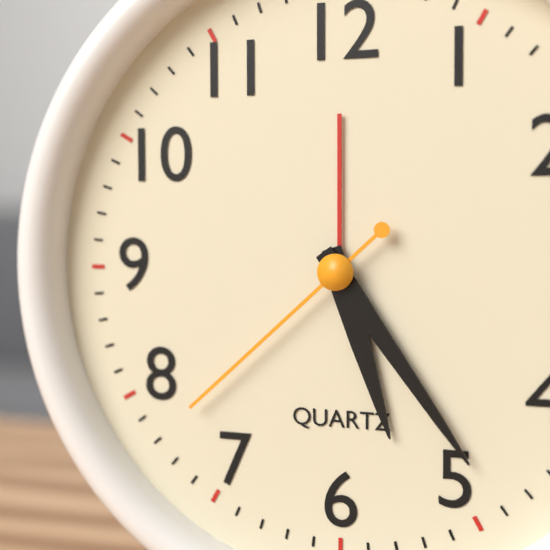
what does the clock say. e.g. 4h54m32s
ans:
5h24m38s
